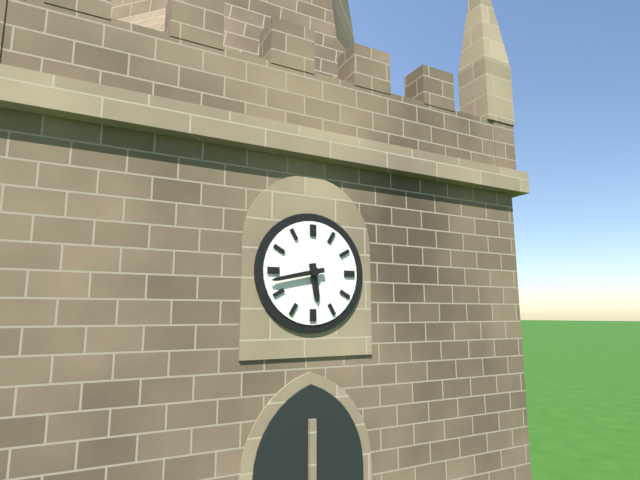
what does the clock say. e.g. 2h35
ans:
5h43
